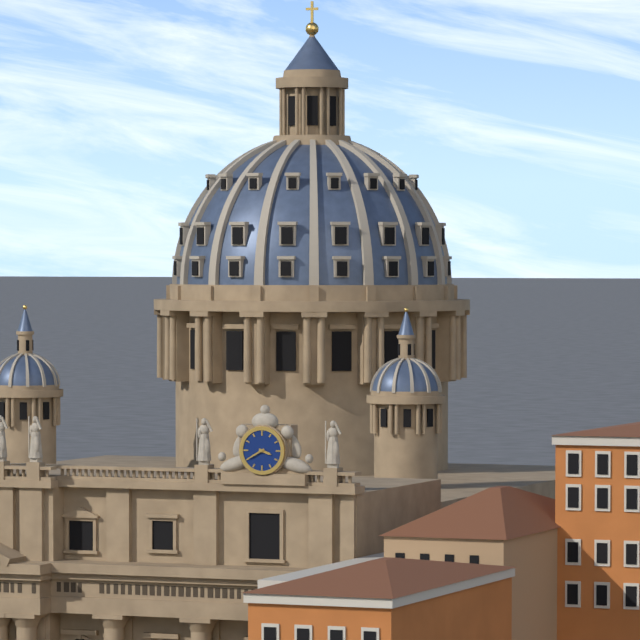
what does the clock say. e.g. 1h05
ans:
3h40
